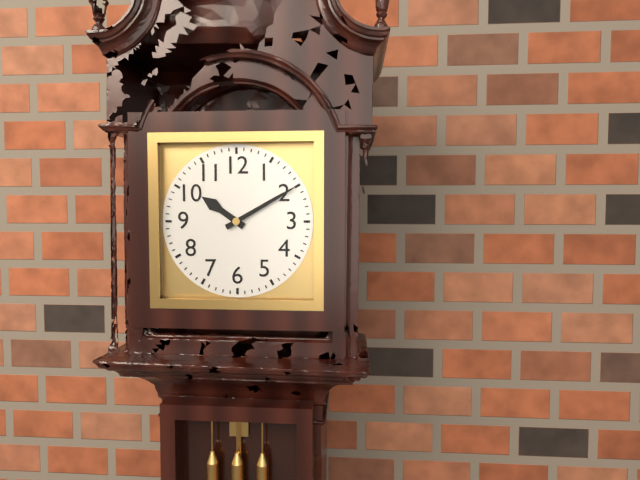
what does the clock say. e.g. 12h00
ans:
10h10
